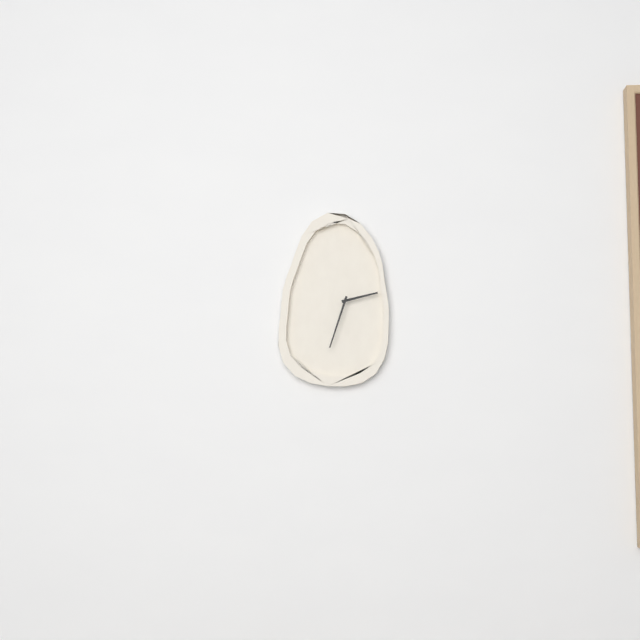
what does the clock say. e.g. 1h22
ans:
2h33
